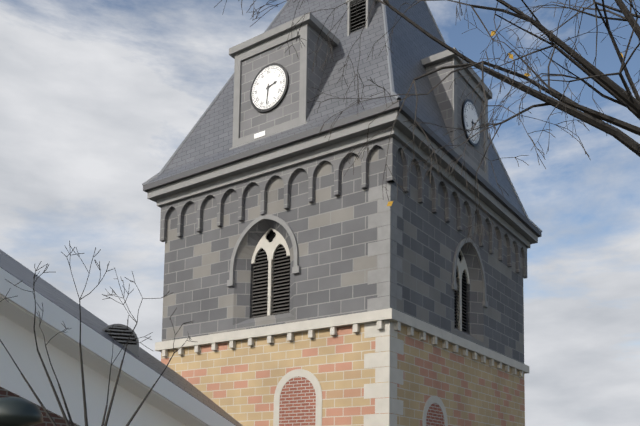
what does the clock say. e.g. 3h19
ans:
2h31
